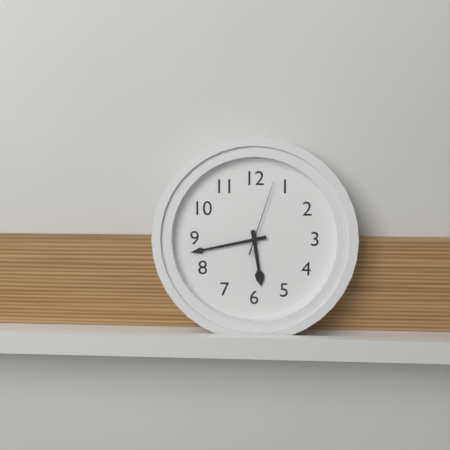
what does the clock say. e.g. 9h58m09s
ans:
5h43m03s
